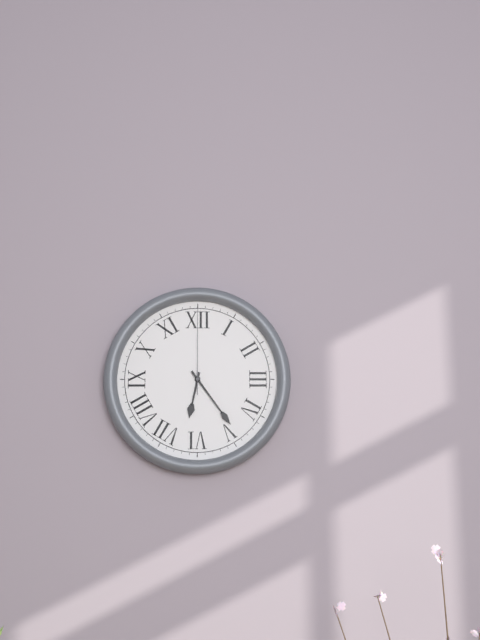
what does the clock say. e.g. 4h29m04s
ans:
6h24m00s
